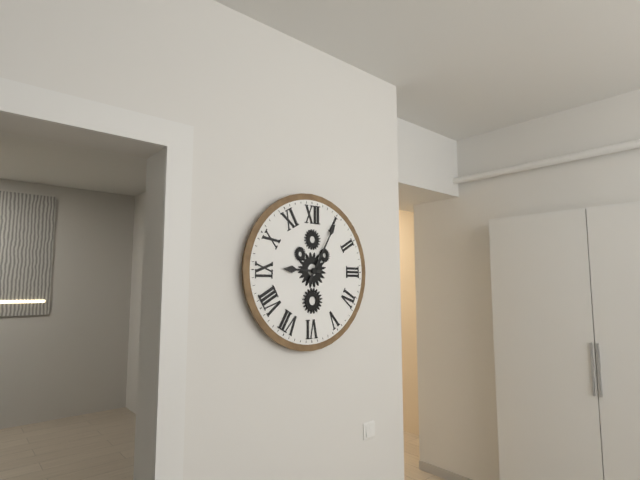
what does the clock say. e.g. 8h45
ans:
9h05
